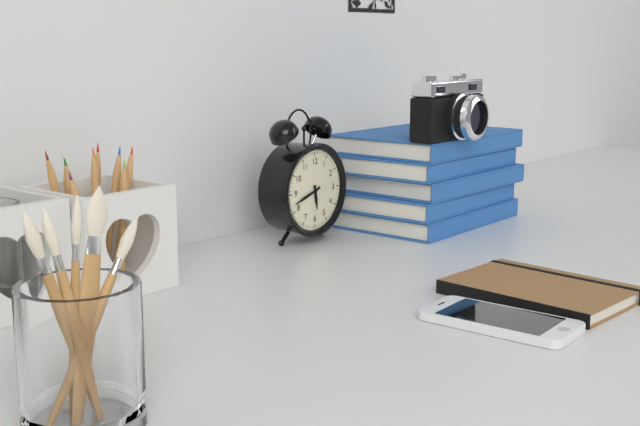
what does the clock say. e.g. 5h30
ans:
5h42
